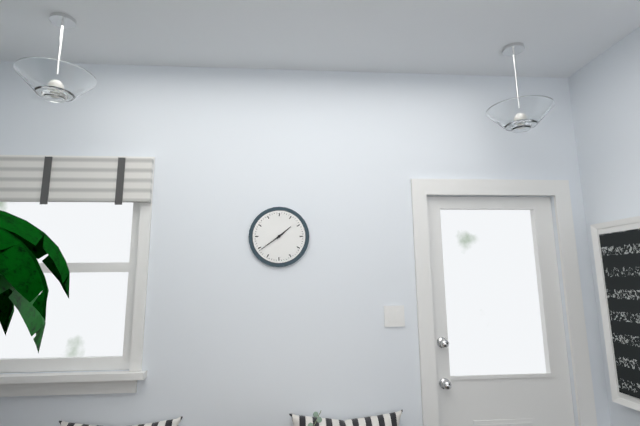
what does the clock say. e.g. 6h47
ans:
1h39
